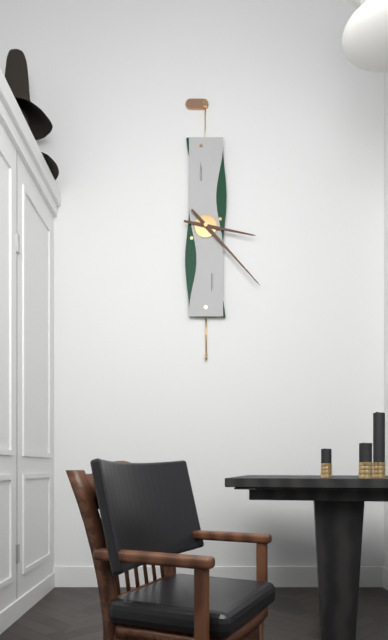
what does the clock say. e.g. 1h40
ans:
3h23
